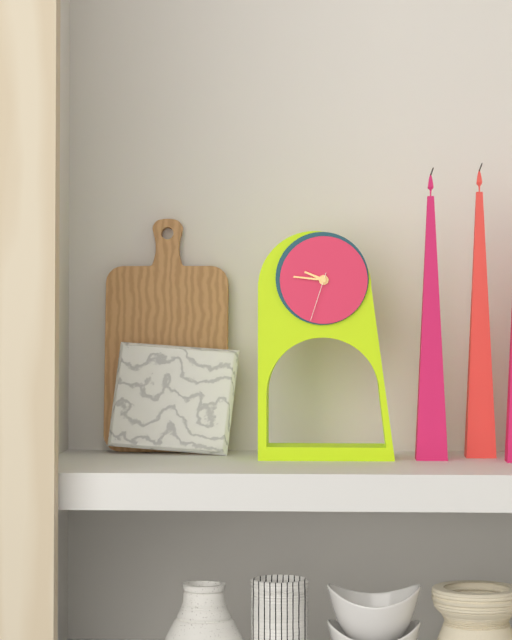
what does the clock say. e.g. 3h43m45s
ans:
9h46m33s
